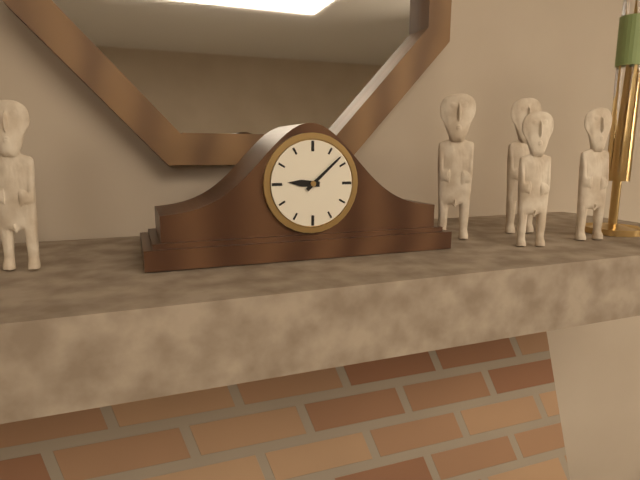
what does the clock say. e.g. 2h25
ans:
9h08
